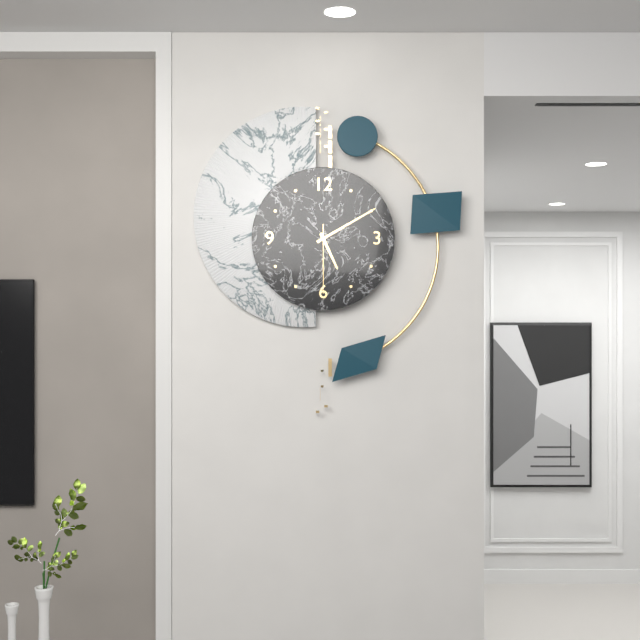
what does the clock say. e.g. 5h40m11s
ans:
5h10m30s
